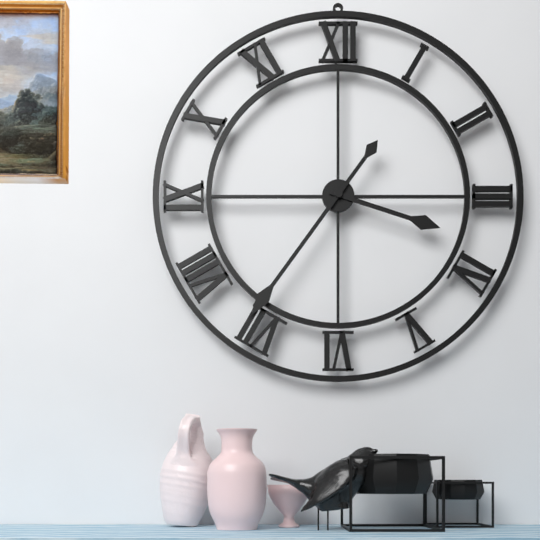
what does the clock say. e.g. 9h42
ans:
3h36
